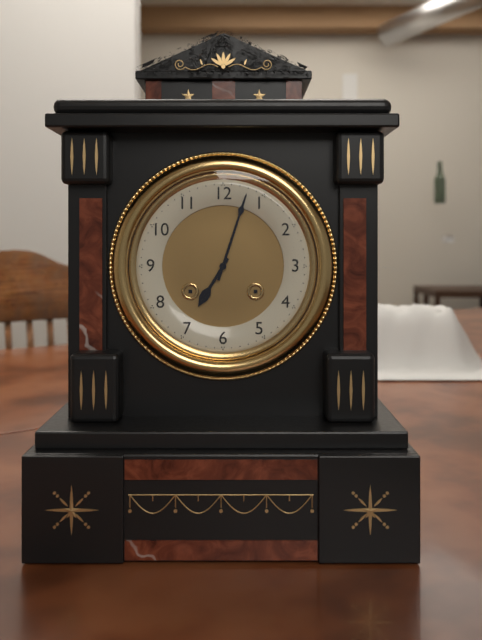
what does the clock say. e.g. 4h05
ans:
7h03
